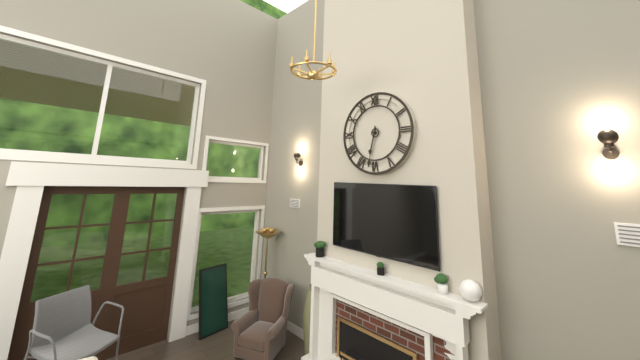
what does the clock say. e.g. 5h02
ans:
6h32
